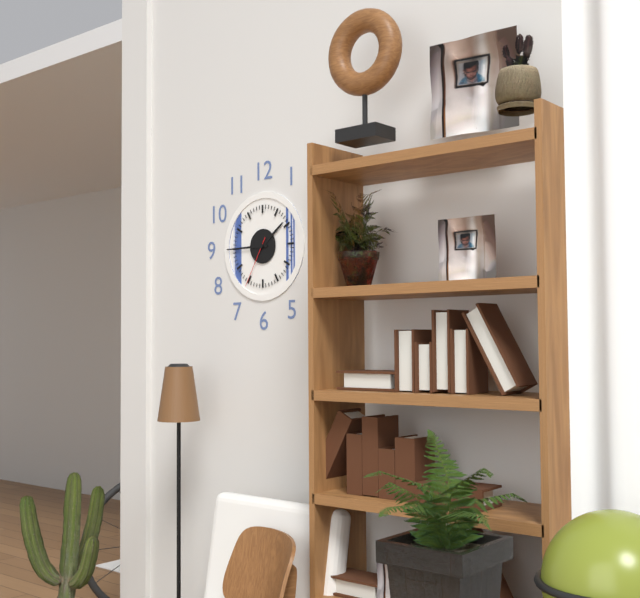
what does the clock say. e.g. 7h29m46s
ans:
1h45m35s
